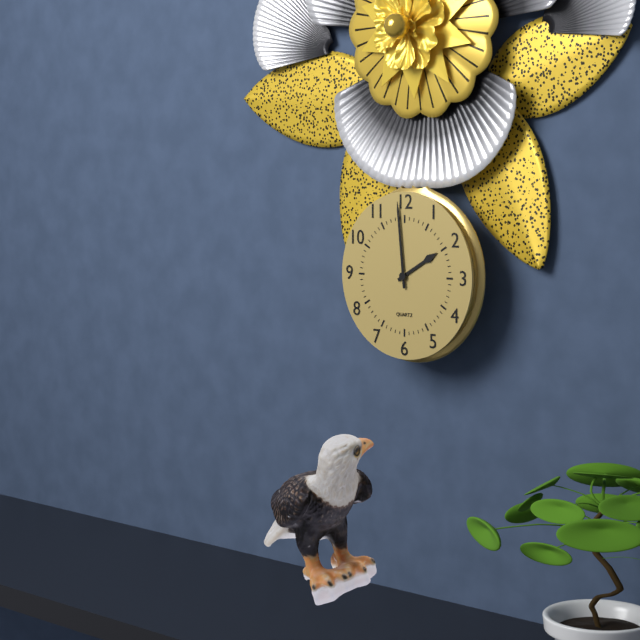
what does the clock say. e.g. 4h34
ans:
1h59
